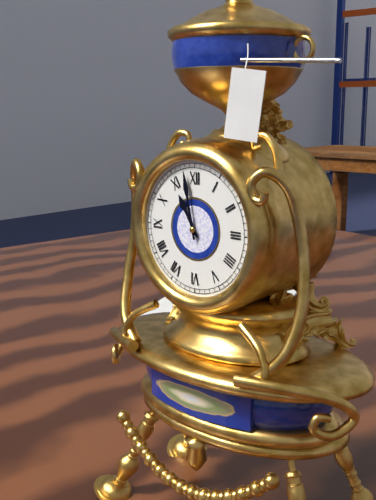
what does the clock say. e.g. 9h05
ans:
10h58
